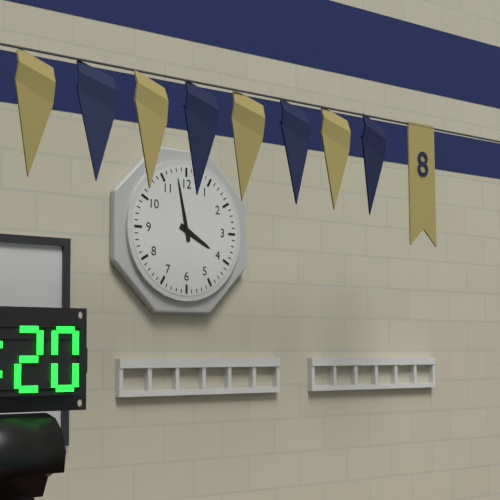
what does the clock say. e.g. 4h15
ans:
3h58
